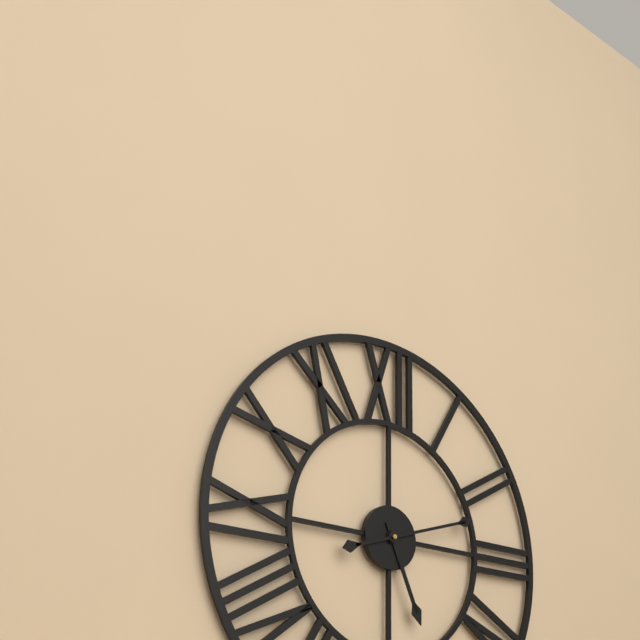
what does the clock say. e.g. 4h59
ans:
5h12
